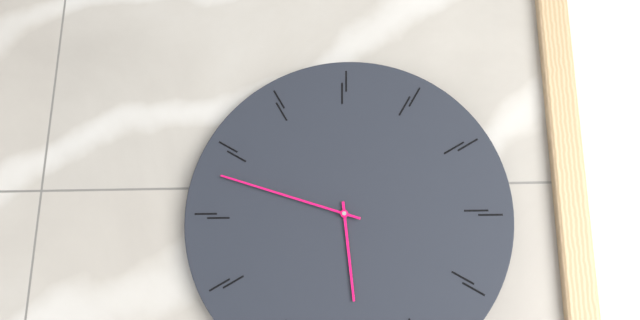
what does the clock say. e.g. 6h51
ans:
5h48
